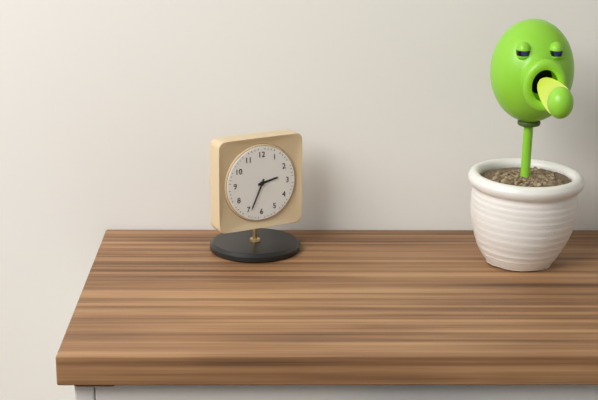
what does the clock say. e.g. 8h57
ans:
2h34
